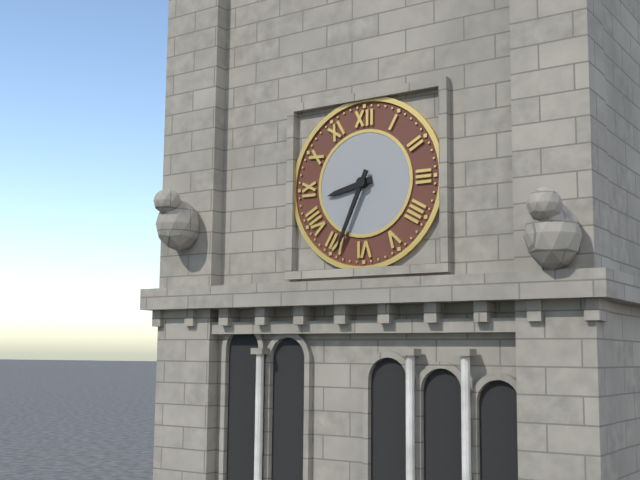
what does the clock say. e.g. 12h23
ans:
8h34
